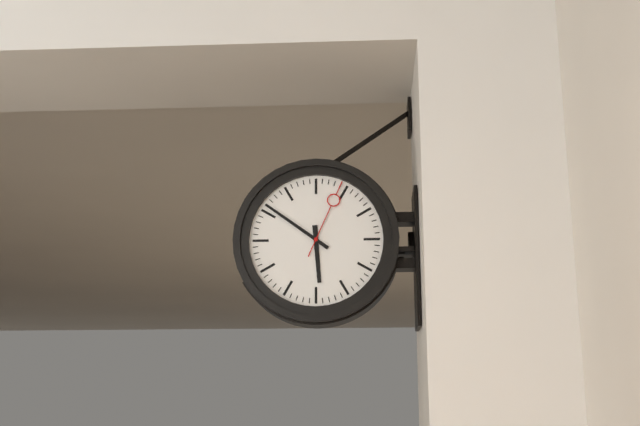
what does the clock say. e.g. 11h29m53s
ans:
5h51m04s
